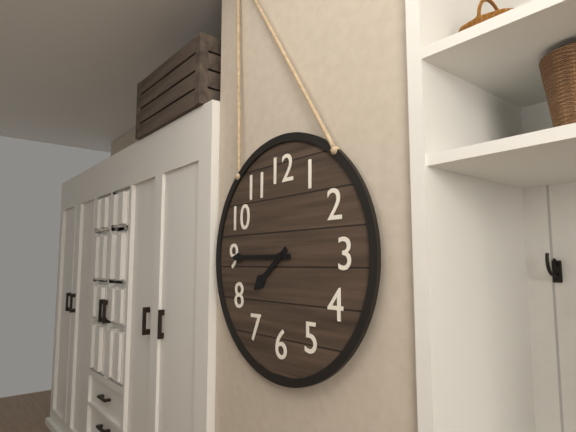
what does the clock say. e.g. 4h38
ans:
7h45
